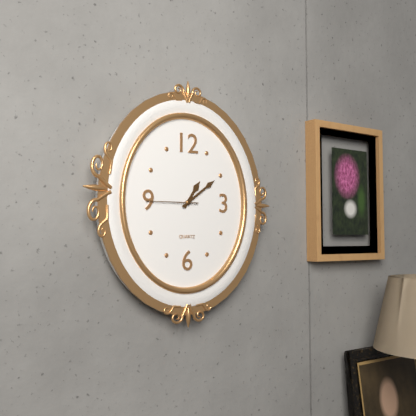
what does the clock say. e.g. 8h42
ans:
1h09
